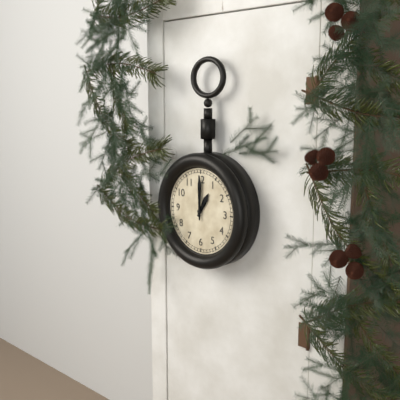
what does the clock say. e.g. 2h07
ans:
1h00
